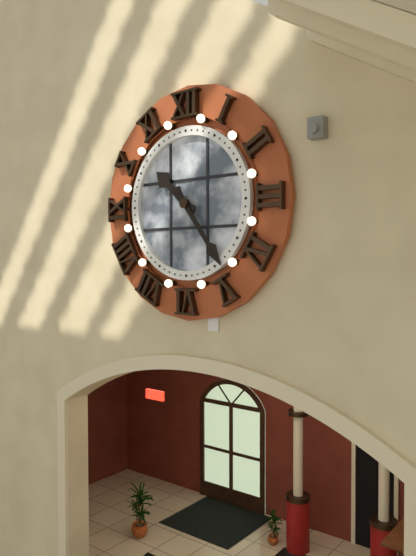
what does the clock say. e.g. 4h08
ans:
10h24
